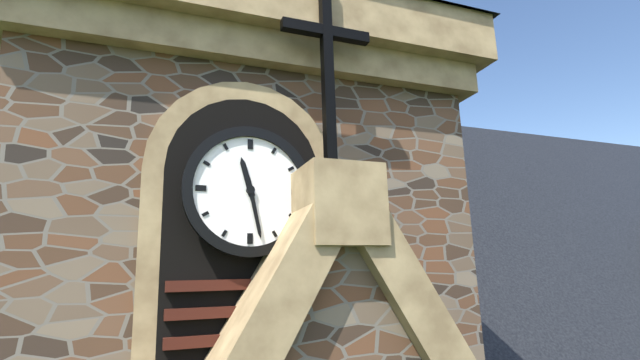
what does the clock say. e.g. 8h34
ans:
11h28
